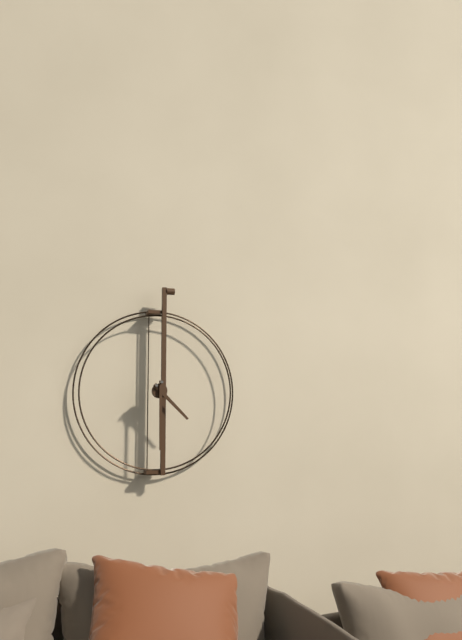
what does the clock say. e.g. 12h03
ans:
4h30
